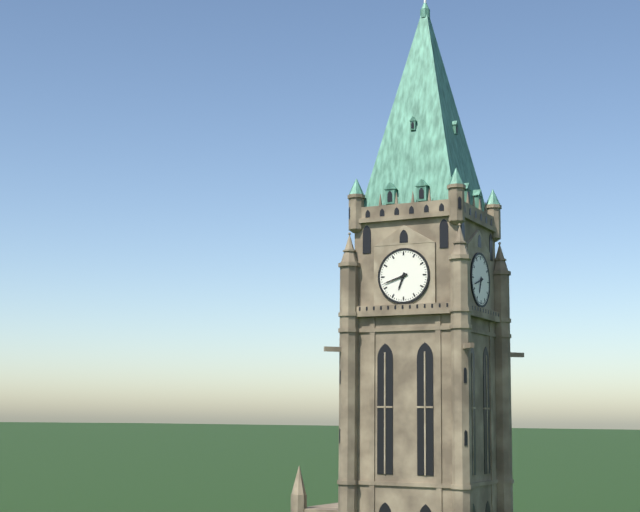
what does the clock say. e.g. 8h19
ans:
6h42
